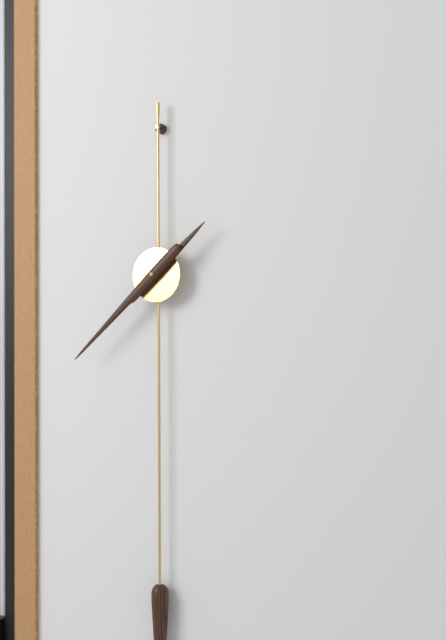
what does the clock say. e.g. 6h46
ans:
1h38
